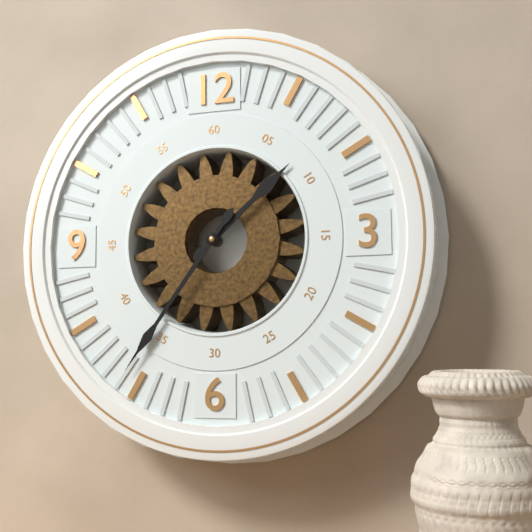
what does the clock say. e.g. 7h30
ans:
1h36
